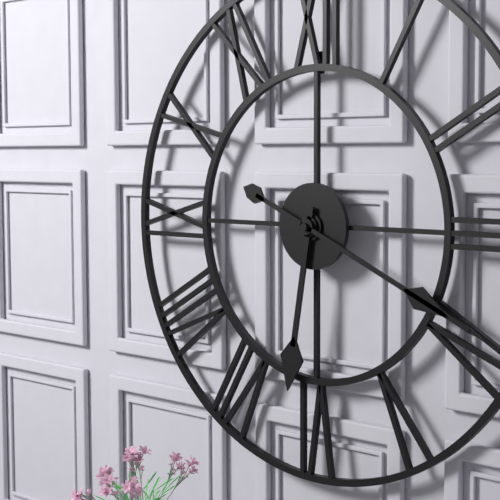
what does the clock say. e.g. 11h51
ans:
6h19
